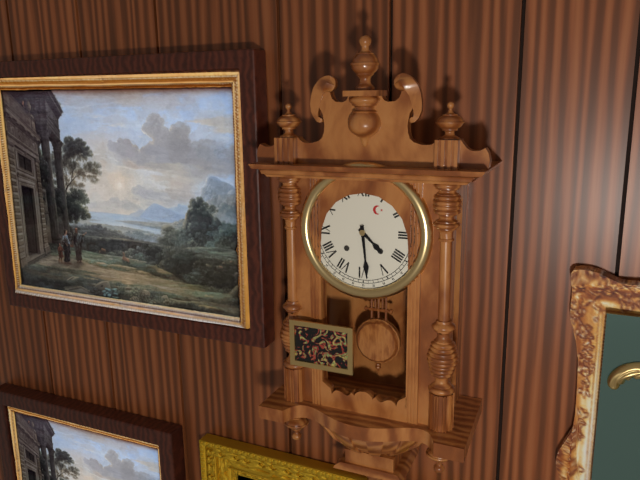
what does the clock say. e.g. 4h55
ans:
4h29
